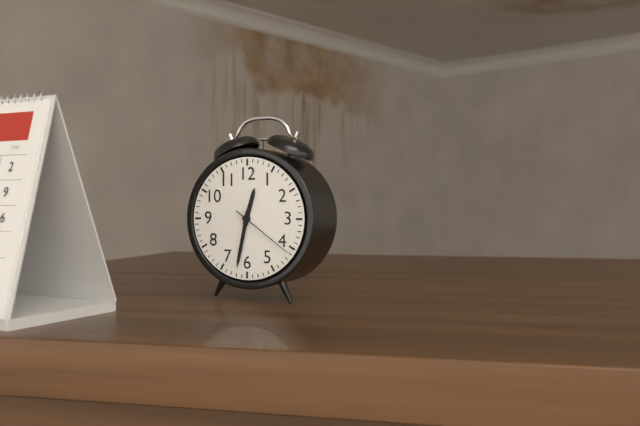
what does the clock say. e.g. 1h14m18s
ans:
12h32m21s
